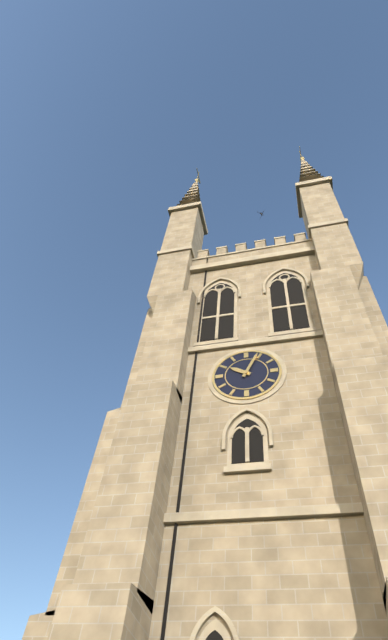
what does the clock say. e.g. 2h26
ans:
10h04
